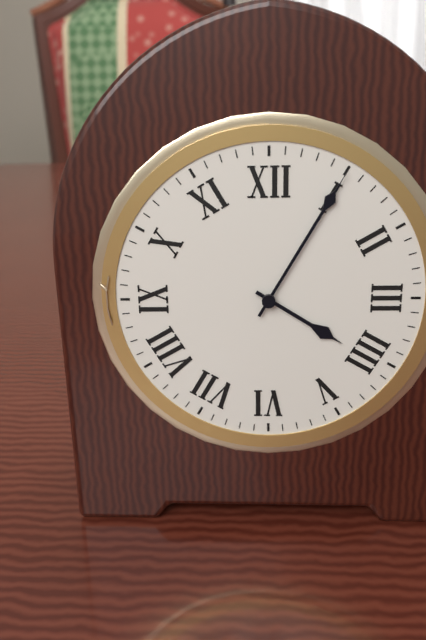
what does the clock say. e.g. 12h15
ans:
4h05
